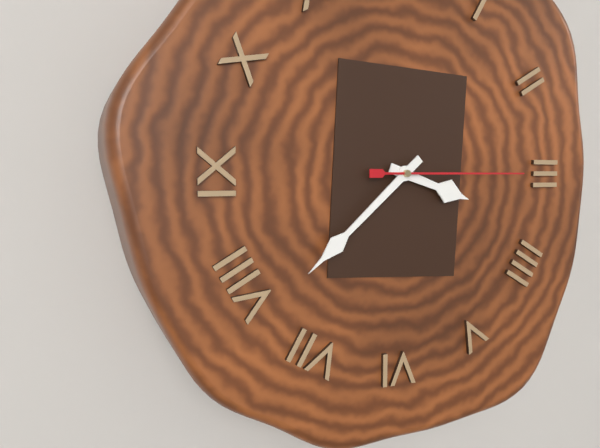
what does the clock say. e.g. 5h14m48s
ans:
3h38m15s
